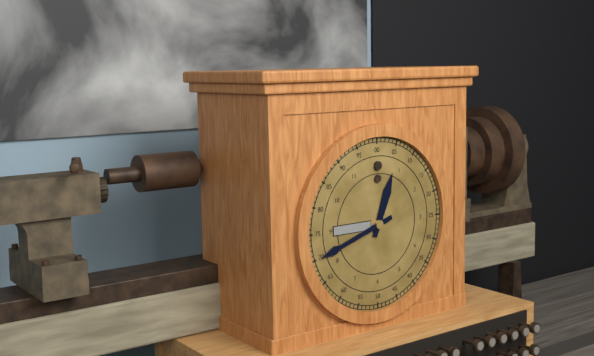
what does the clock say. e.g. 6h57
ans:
12h42
